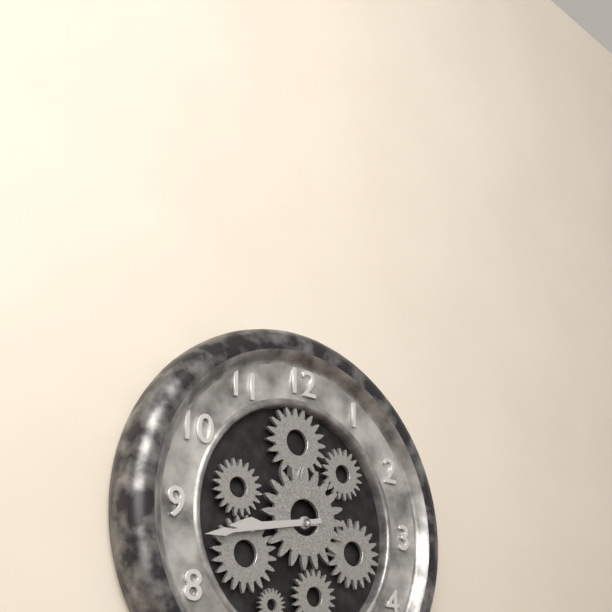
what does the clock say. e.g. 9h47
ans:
8h43
